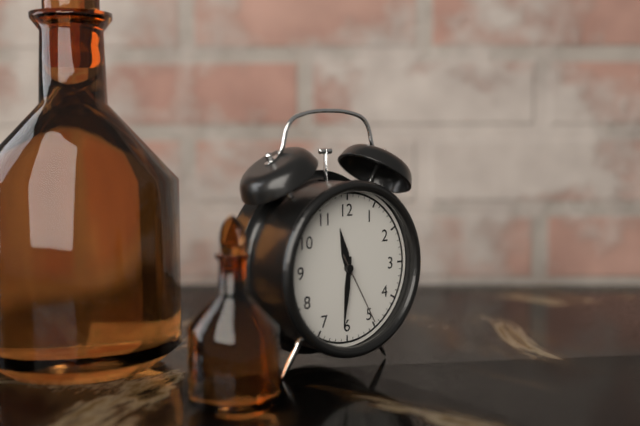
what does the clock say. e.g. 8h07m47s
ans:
11h31m25s
